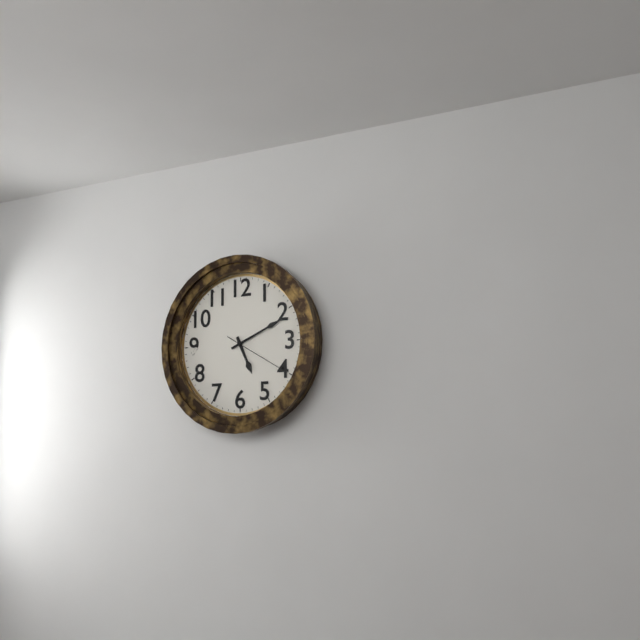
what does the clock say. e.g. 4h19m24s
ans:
5h11m20s
